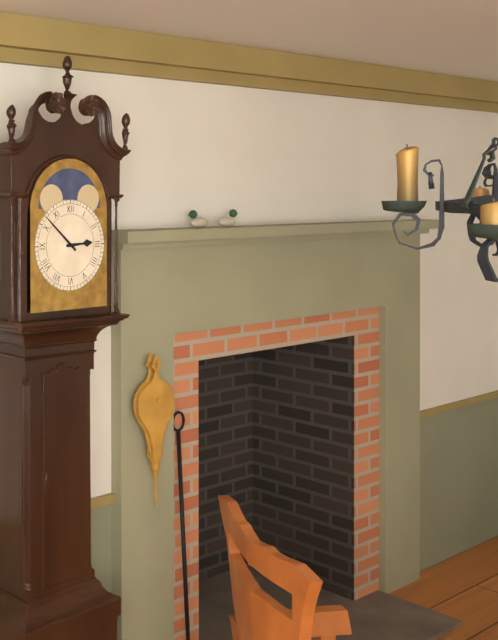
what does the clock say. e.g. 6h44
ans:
2h52
